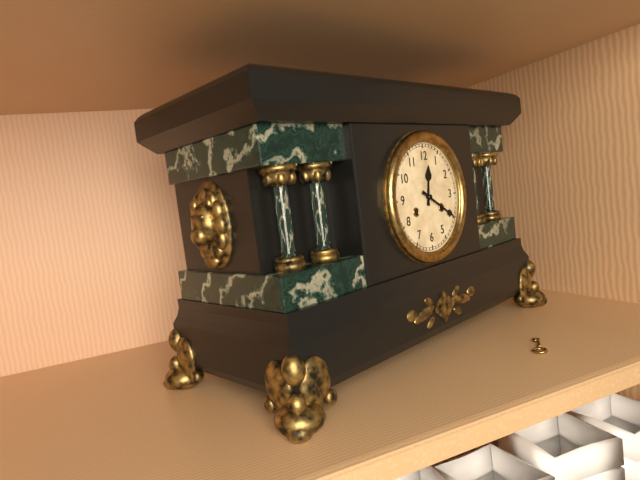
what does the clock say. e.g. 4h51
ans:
12h20
